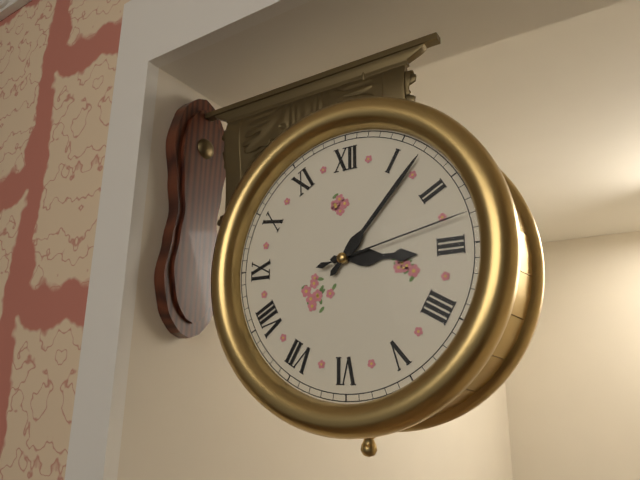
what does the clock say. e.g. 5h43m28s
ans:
3h07m13s
